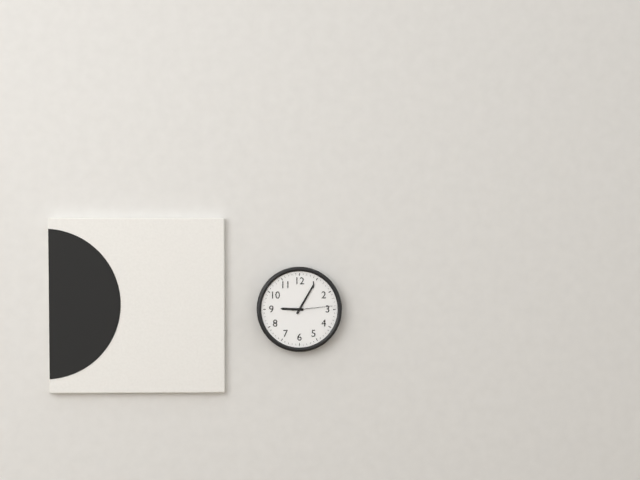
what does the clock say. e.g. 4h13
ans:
9h05
